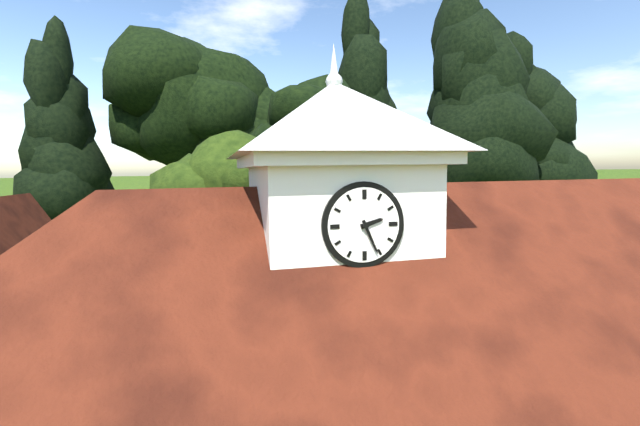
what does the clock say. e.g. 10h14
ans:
2h26
